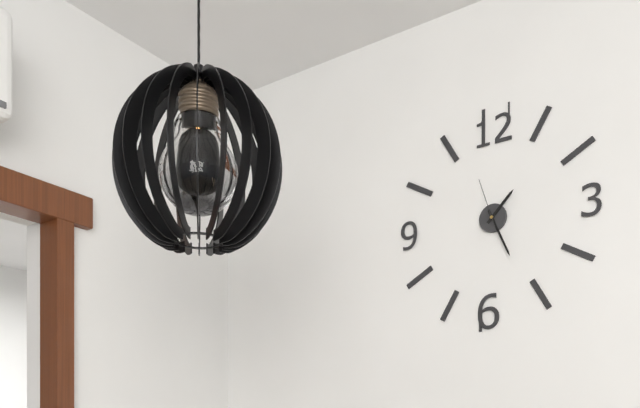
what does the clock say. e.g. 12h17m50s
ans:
1h26m57s
